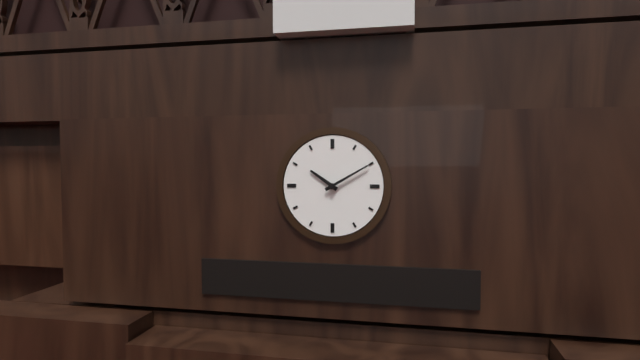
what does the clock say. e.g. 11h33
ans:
10h10
